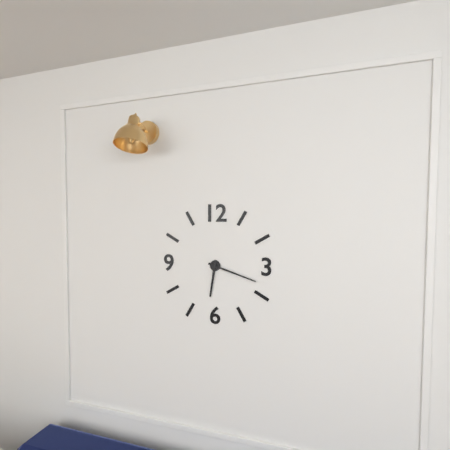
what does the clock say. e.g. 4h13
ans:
6h18
